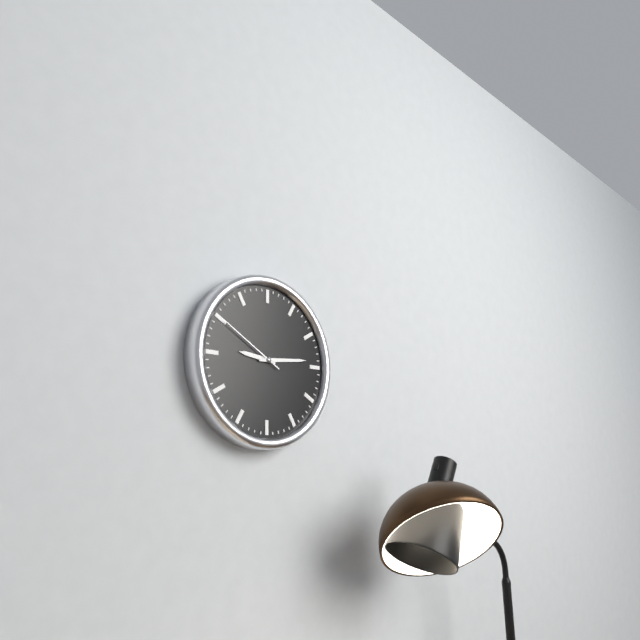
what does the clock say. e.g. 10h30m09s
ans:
9h14m50s
